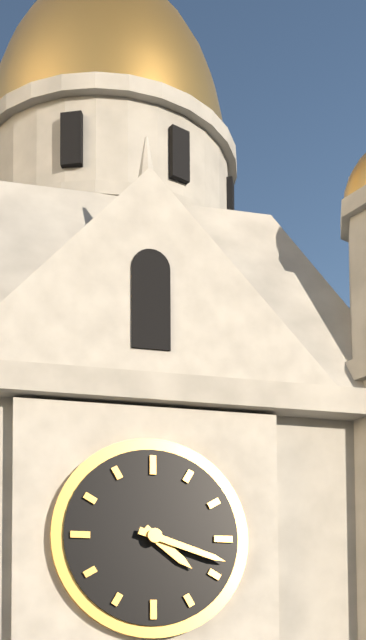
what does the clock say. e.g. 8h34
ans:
4h18
